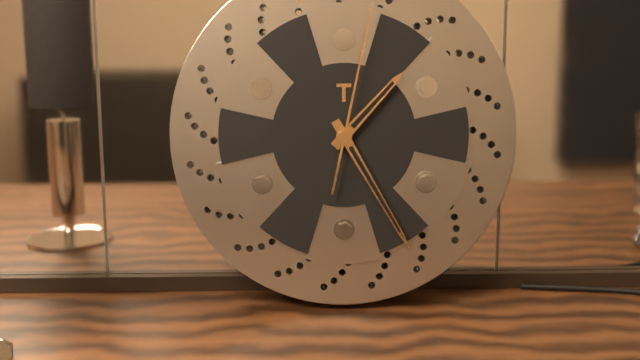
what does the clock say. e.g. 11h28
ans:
1h25
